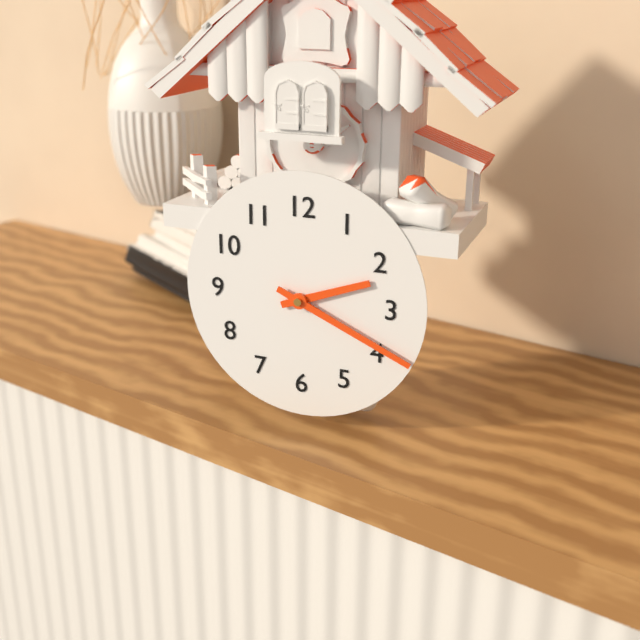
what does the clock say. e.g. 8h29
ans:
2h19
